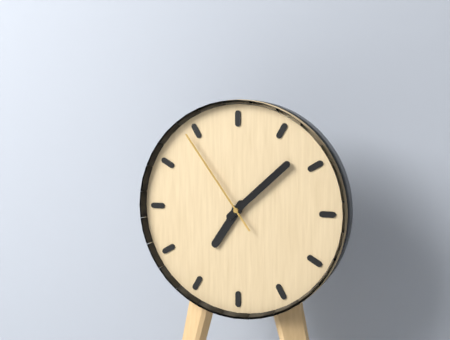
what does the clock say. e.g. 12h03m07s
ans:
7h08m54s
